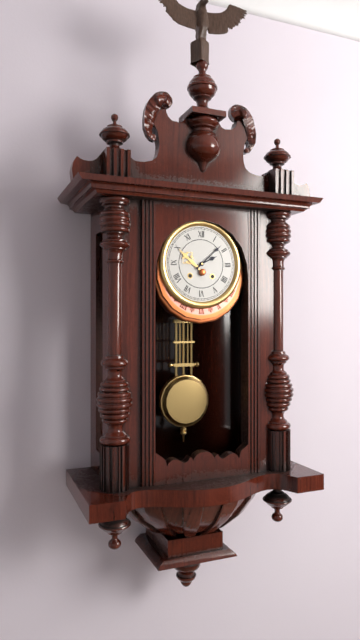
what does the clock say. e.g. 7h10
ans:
2h08
